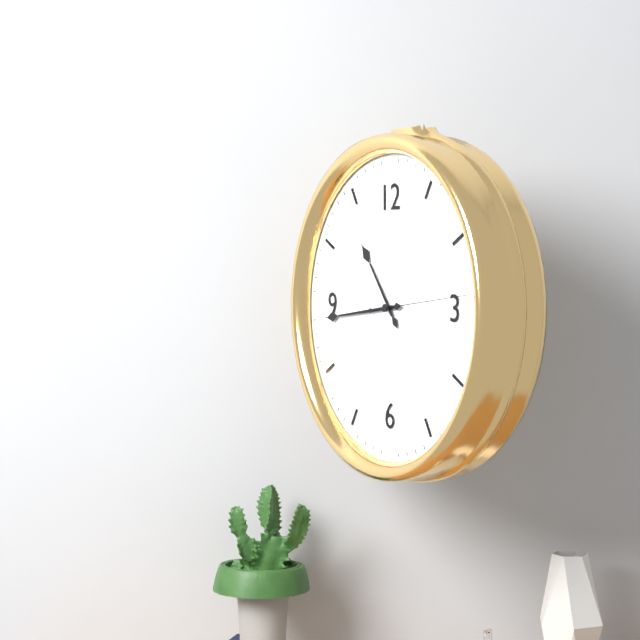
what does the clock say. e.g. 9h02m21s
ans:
10h44m14s
